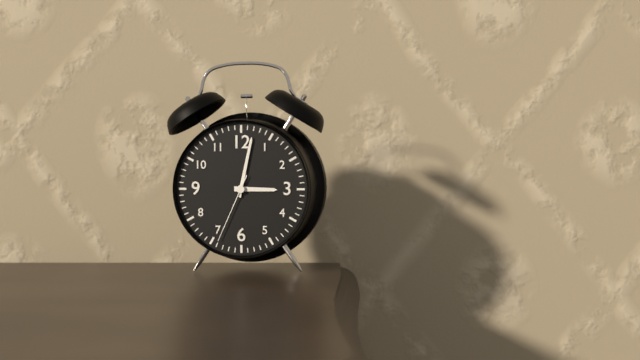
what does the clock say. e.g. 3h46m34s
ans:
3h02m34s
